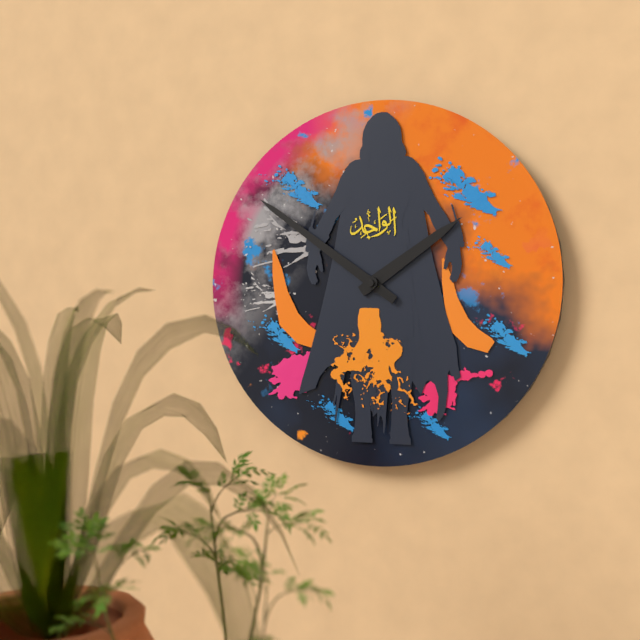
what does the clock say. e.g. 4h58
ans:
1h51
